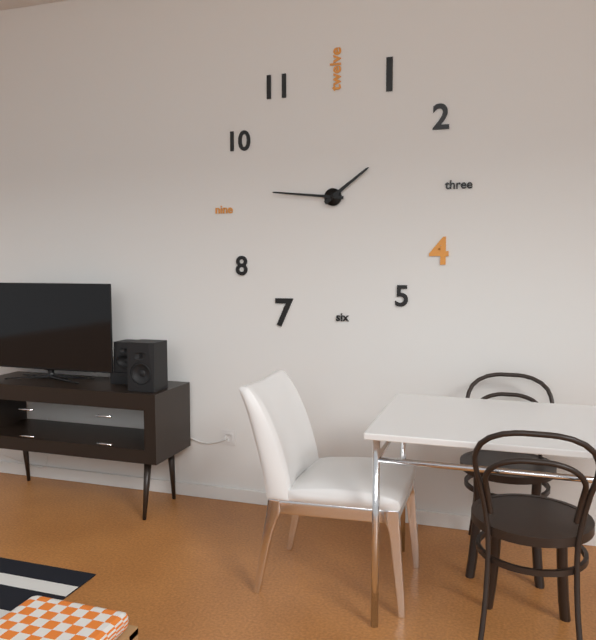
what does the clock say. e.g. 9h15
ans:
1h46
